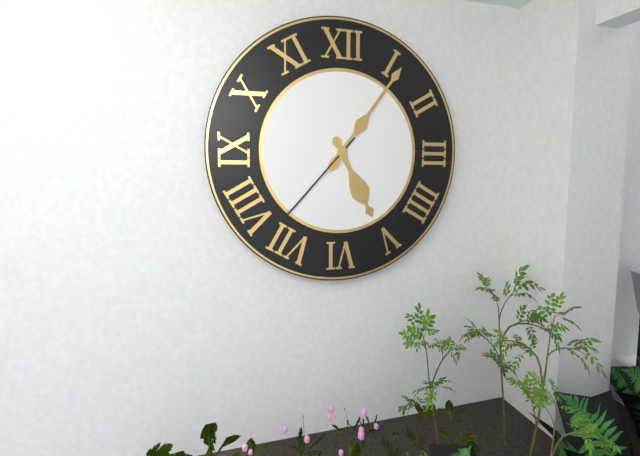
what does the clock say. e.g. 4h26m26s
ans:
5h06m37s
